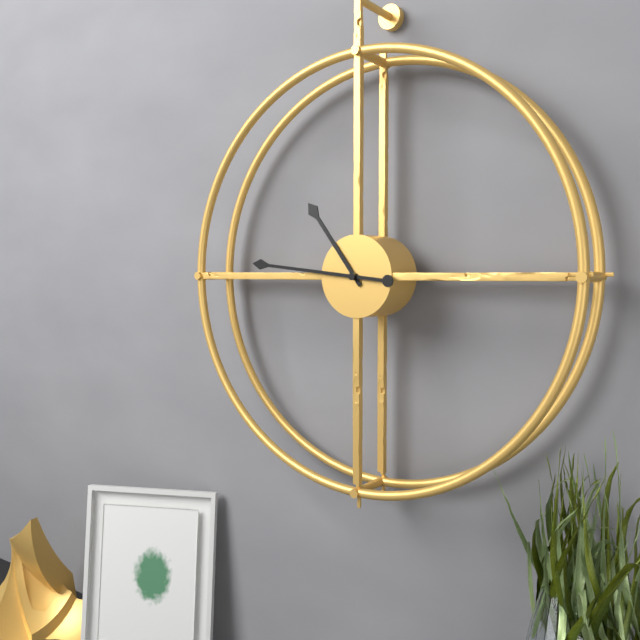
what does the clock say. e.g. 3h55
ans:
10h46
